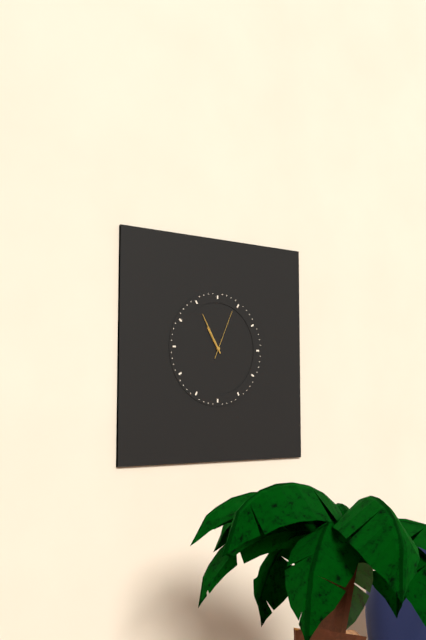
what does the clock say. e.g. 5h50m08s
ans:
10h55m04s
